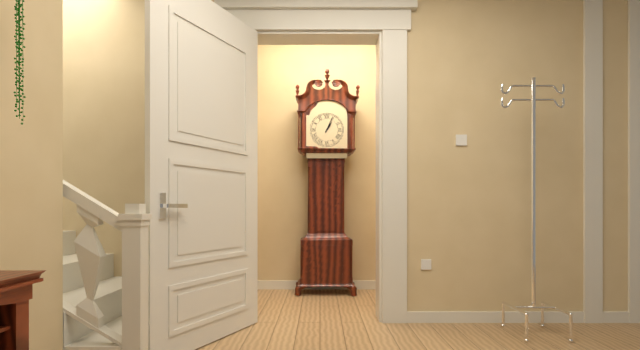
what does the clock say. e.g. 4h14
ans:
1h04
